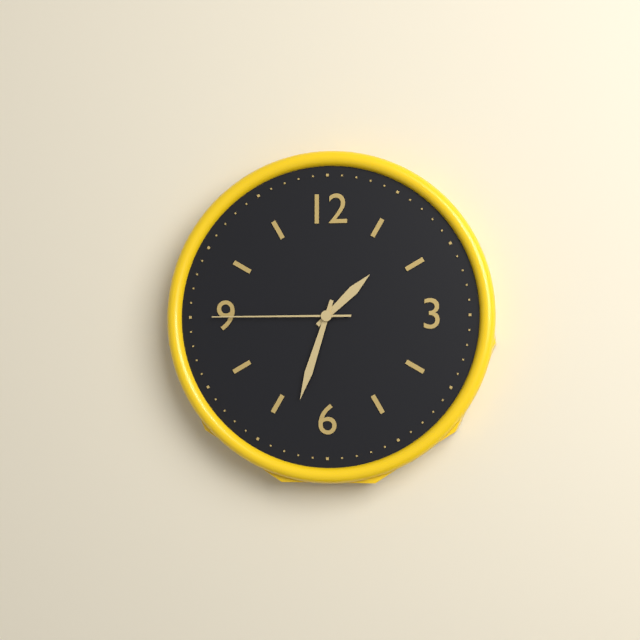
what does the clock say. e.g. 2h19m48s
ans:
1h33m45s
